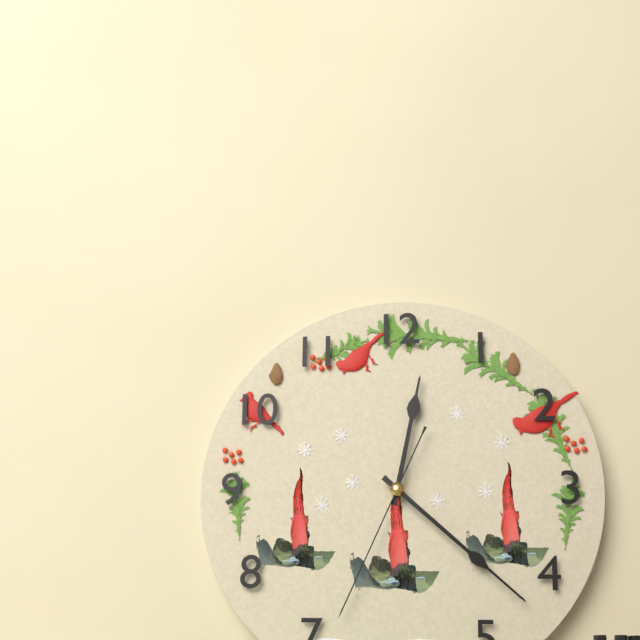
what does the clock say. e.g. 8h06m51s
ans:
12h22m34s
